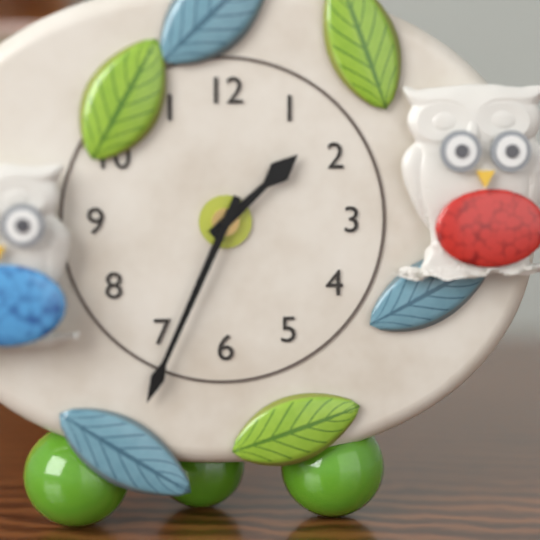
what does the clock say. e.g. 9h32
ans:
1h34
